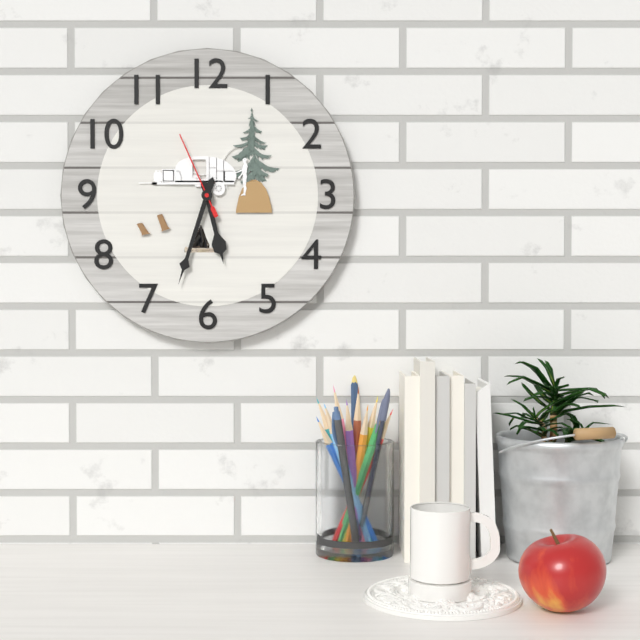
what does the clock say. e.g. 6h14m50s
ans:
5h33m56s
